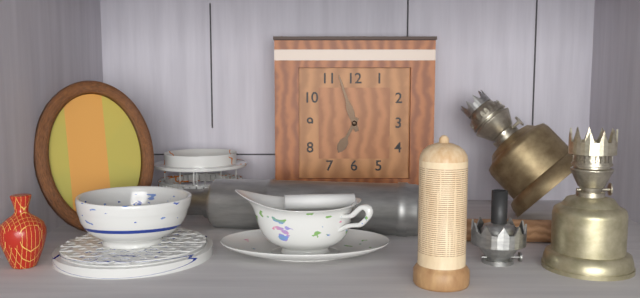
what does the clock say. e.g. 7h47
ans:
6h57
